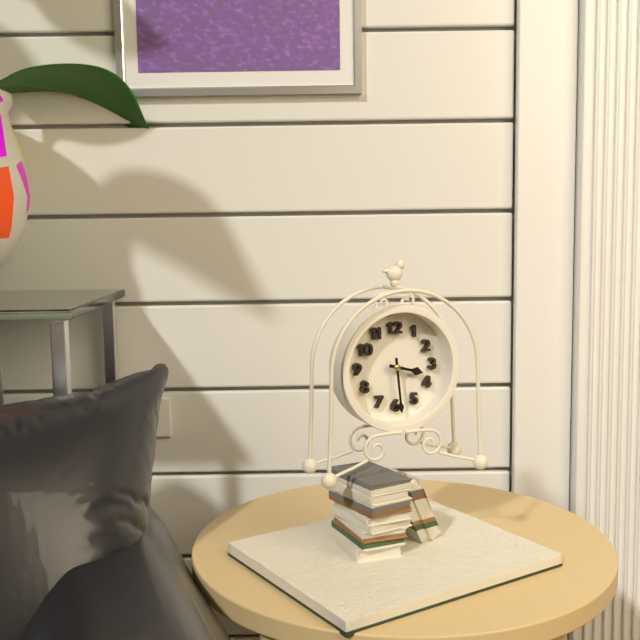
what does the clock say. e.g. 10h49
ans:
3h29
